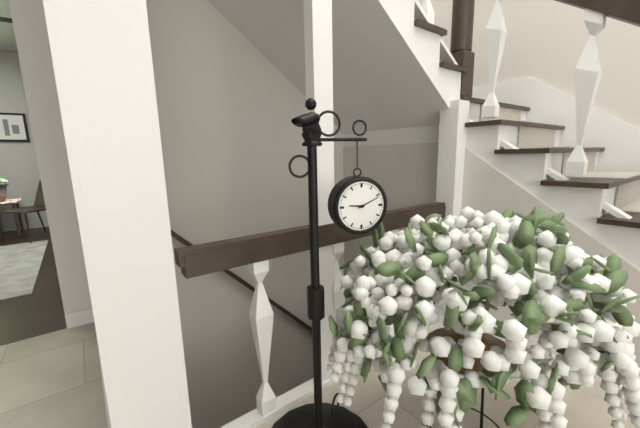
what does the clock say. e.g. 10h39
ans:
9h11
